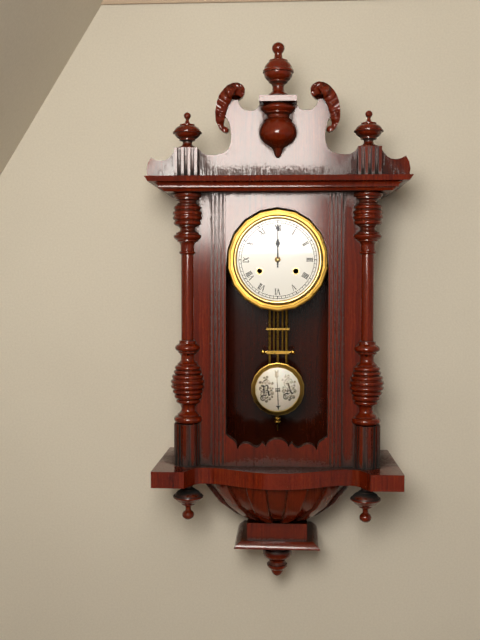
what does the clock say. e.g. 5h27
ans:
12h00
